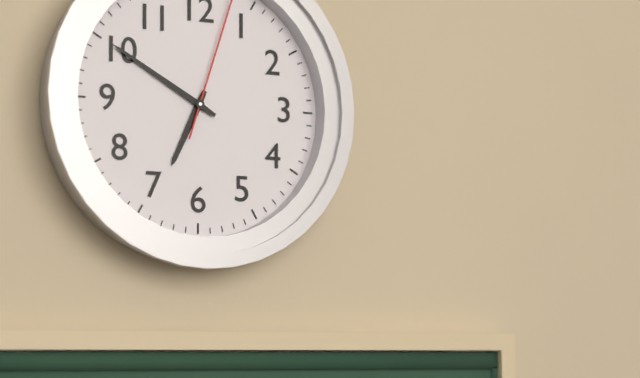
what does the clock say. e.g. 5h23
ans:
6h50
